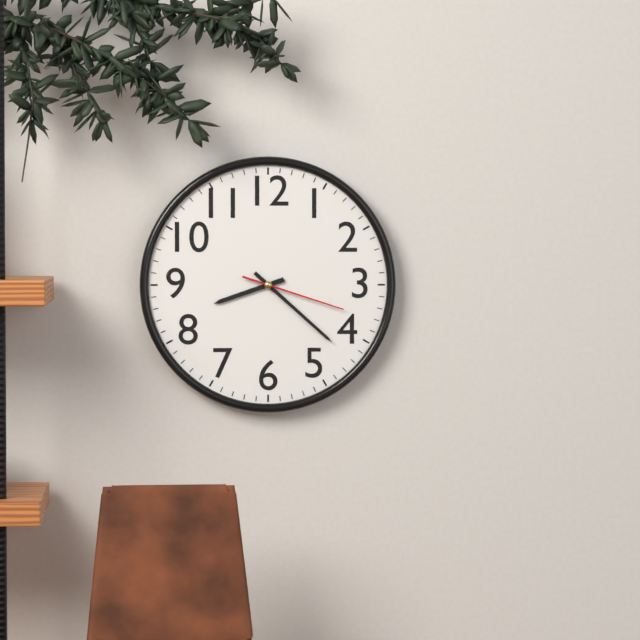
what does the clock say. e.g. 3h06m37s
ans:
8h22m18s
